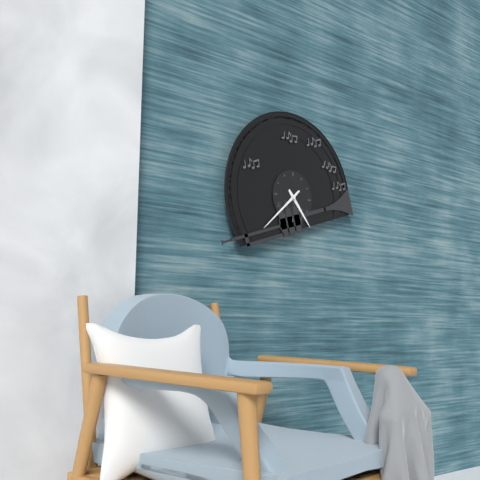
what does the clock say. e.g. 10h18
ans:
4h38
